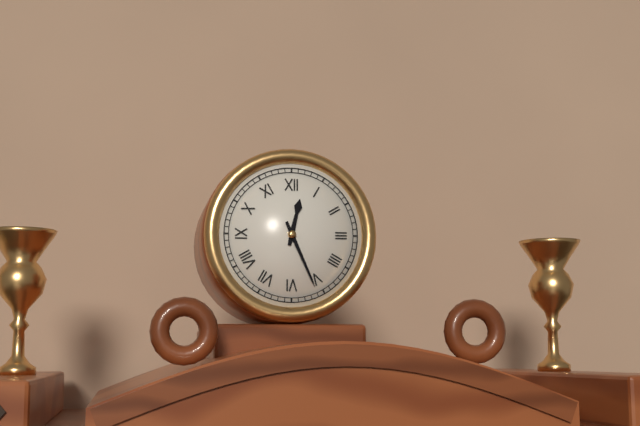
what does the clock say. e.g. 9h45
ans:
12h26
